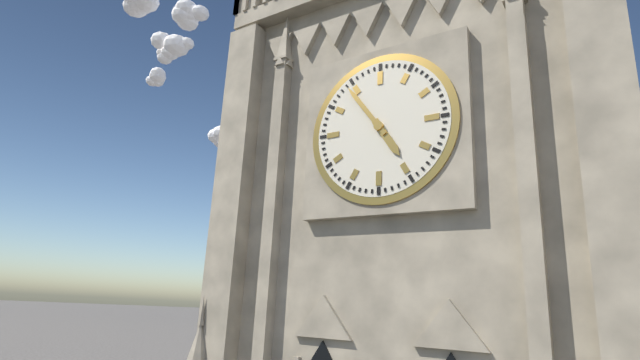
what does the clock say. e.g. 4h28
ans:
4h54
